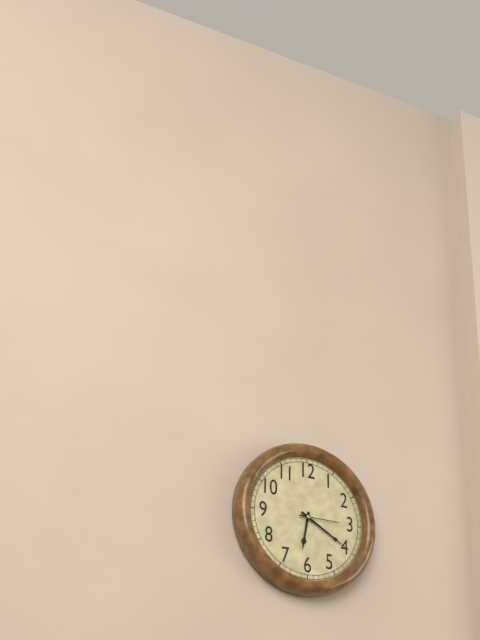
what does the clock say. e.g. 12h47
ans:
6h20
